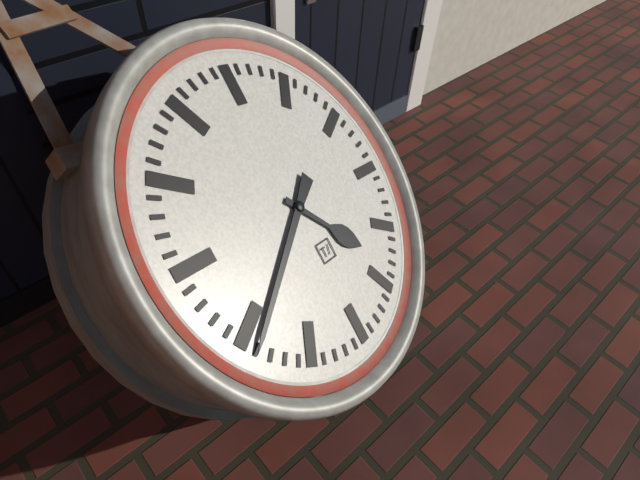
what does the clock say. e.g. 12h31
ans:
4h39
